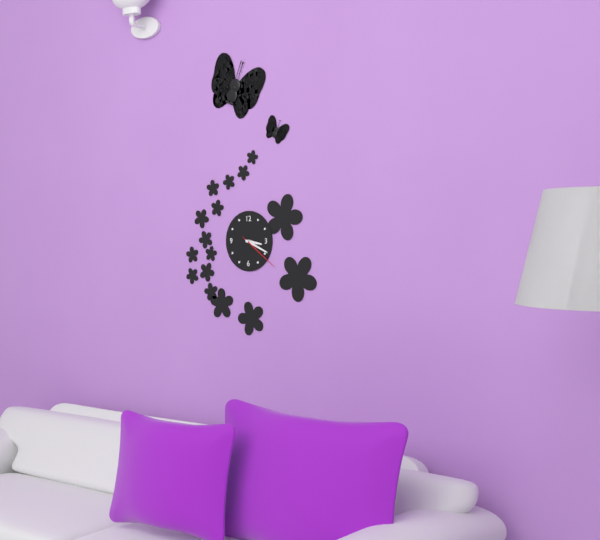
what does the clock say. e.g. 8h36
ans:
3h19
